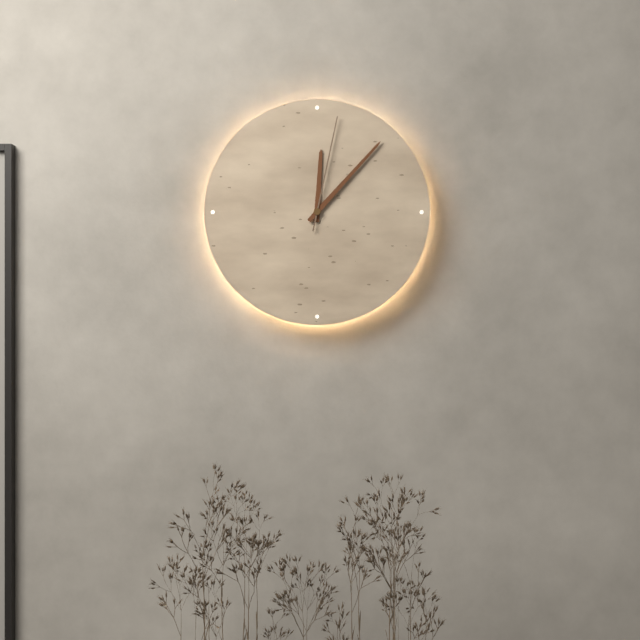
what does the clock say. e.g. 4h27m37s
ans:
12h07m02s
